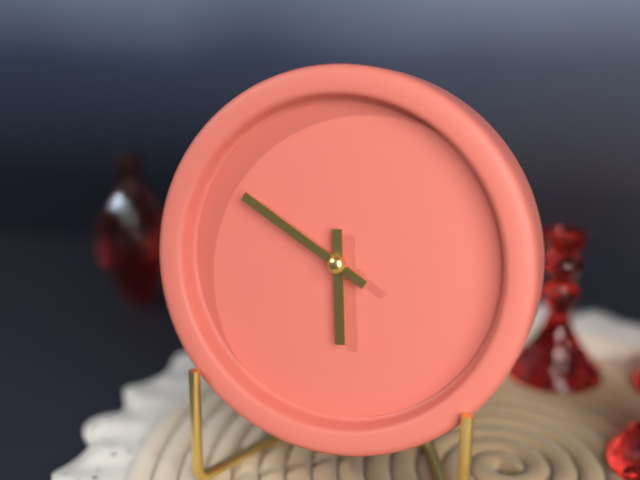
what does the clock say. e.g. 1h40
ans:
5h50
